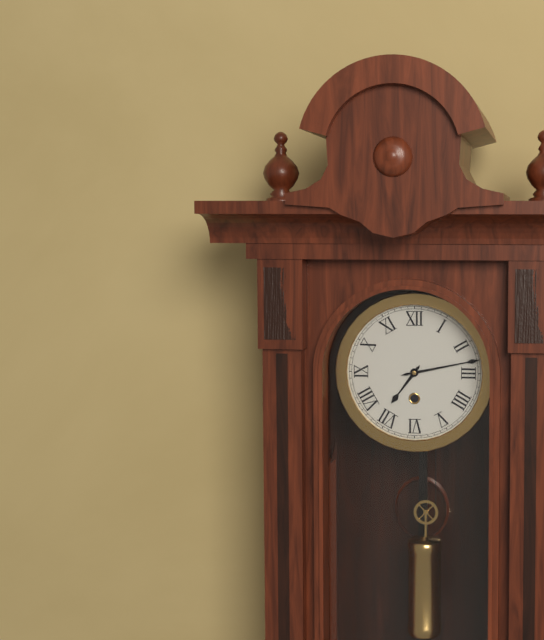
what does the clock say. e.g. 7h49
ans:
7h13
